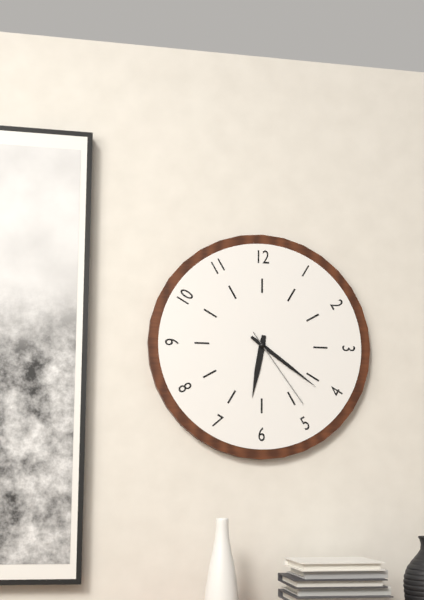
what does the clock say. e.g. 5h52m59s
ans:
6h21m24s
